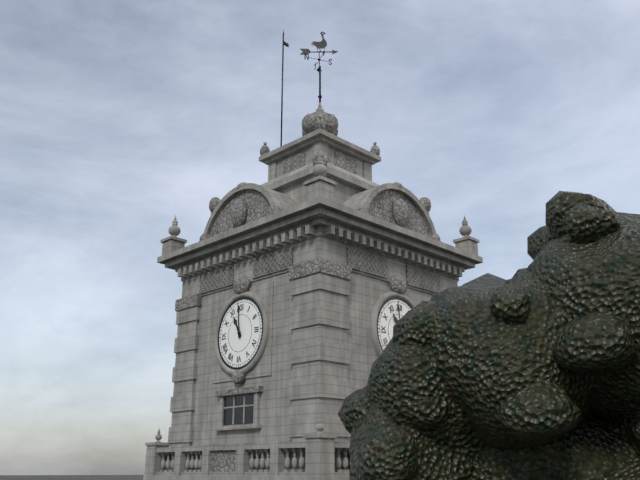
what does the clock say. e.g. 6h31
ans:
10h59
